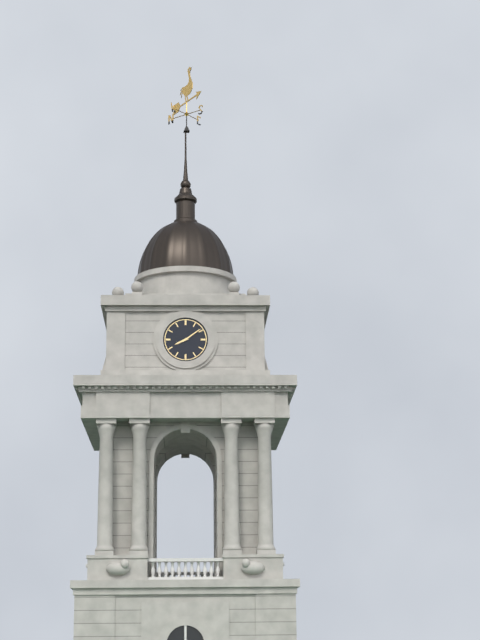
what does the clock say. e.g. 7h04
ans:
8h09
